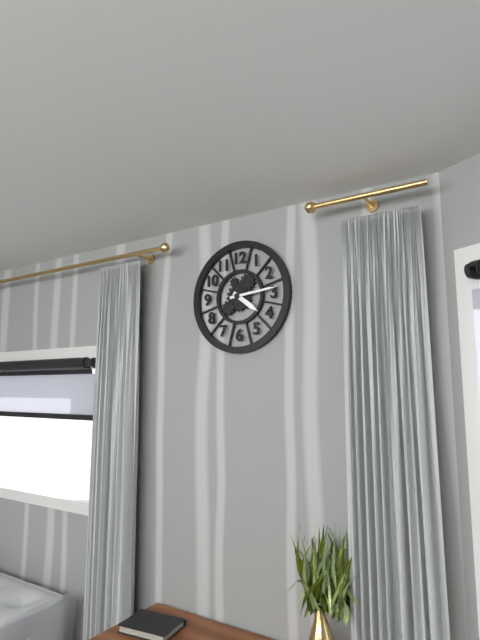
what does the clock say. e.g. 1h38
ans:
4h14
